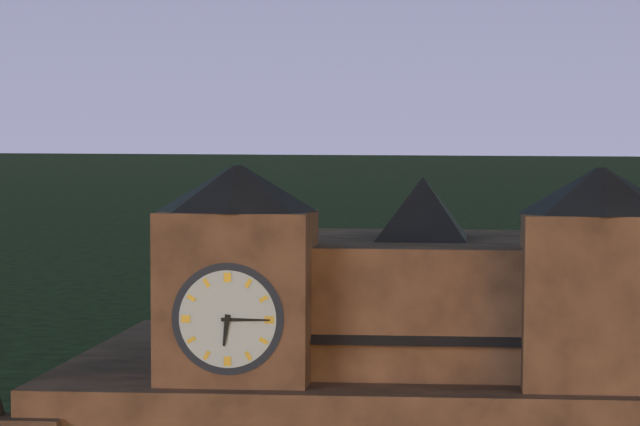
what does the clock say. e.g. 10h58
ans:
6h15
